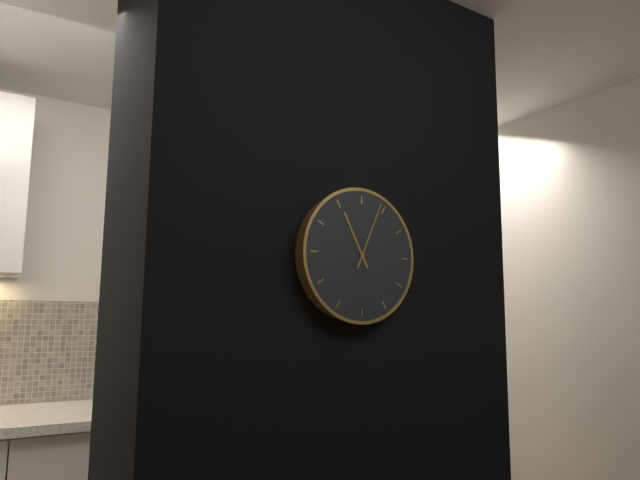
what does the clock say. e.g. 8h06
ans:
11h04
